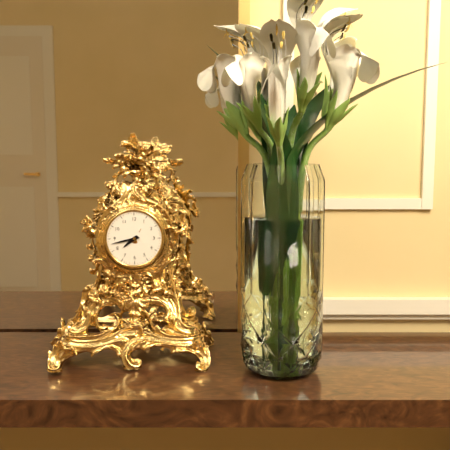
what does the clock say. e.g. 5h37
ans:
7h43
